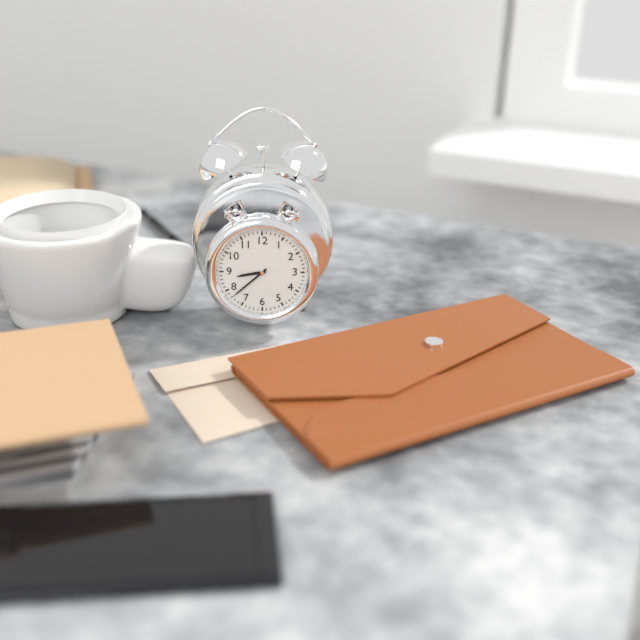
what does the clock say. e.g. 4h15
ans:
8h38
